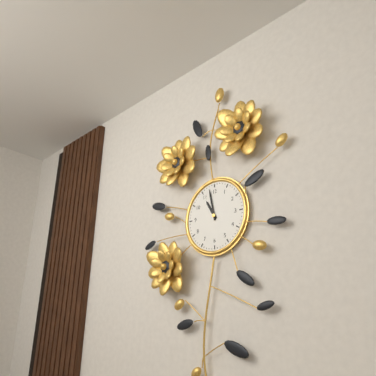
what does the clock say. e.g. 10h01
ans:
10h58
